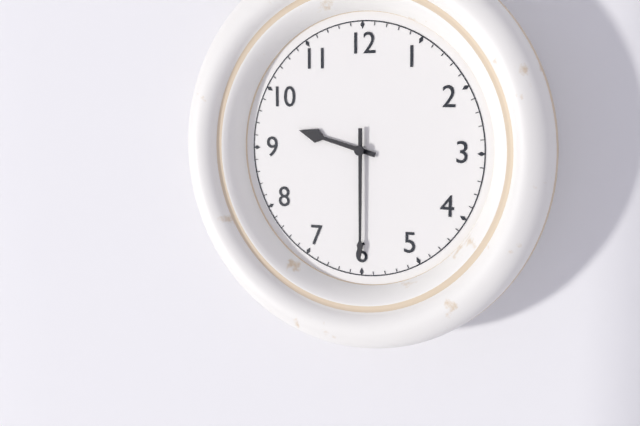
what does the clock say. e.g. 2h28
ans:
9h30
